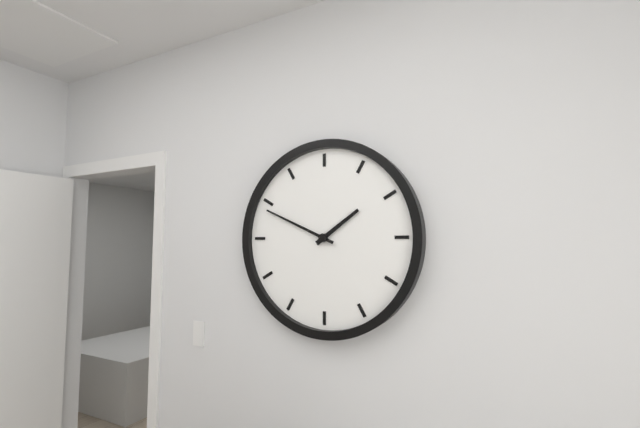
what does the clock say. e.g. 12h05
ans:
1h49
